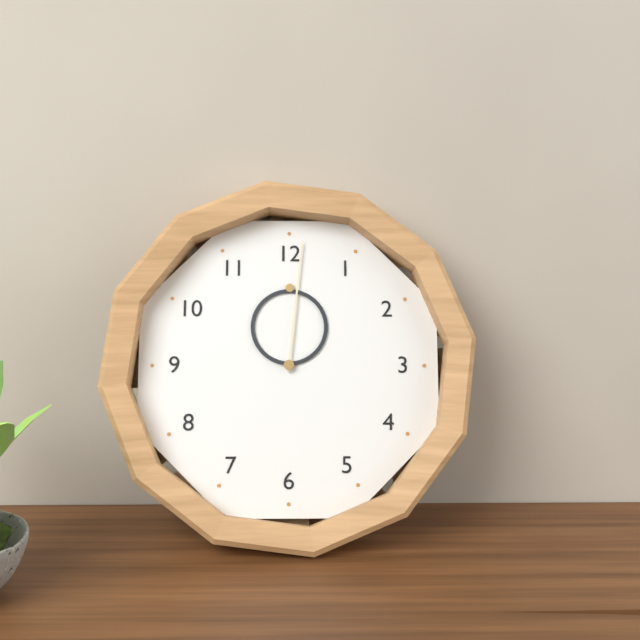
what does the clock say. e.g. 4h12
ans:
12h01
